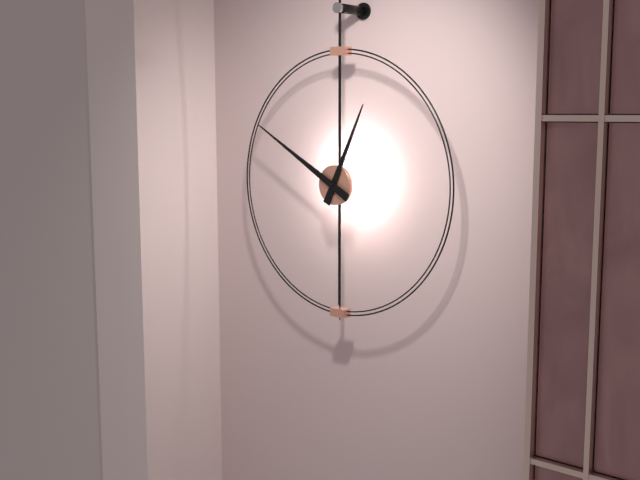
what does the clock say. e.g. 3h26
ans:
12h50
